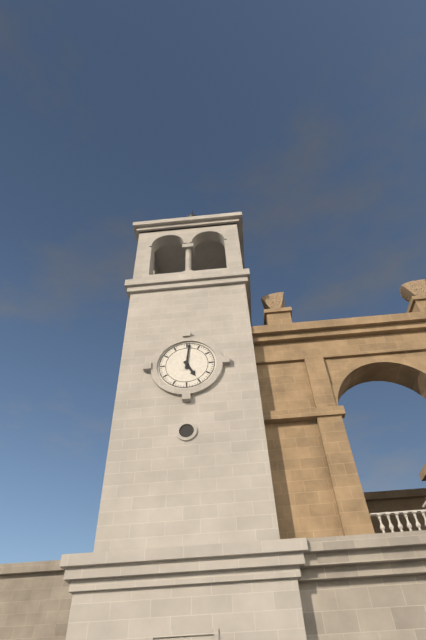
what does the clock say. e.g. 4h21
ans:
5h01
